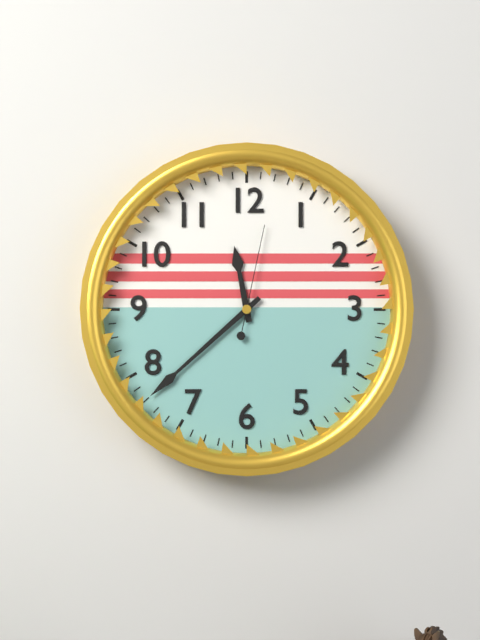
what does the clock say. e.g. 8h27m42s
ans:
11h38m02s
